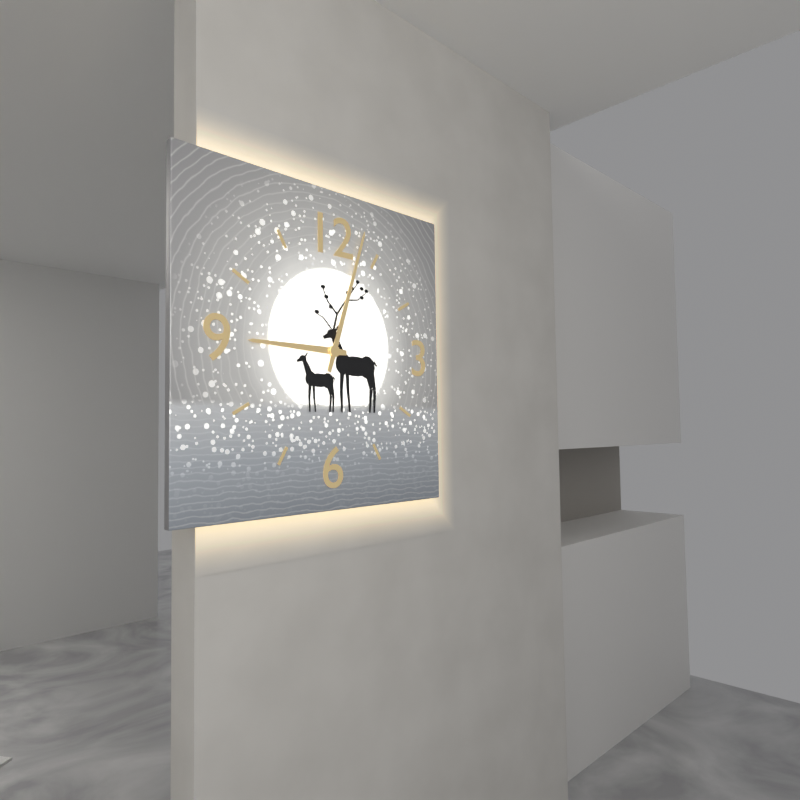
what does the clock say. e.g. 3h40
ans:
9h03
